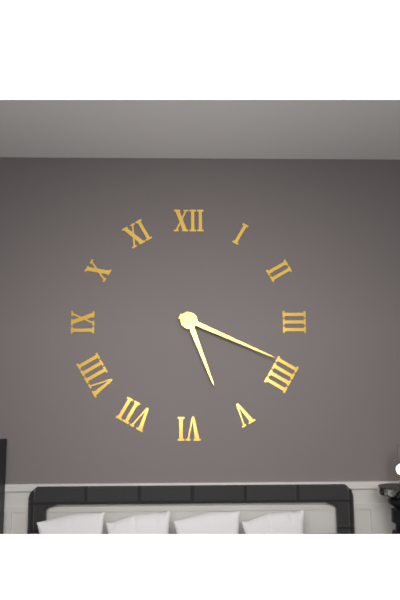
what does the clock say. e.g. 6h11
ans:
5h19
